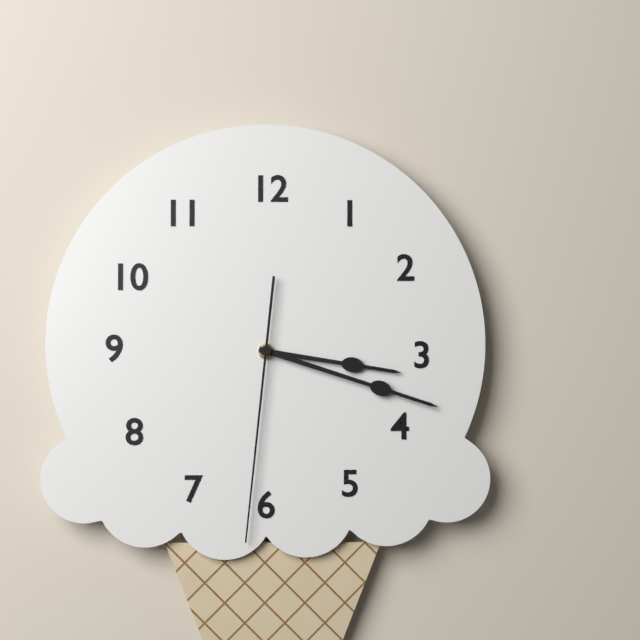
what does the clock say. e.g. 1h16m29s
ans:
3h18m31s
